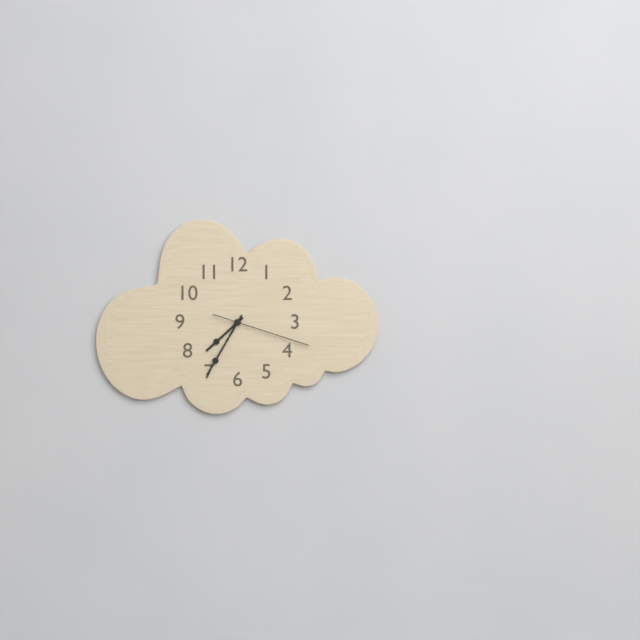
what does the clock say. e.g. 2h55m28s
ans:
7h35m18s
